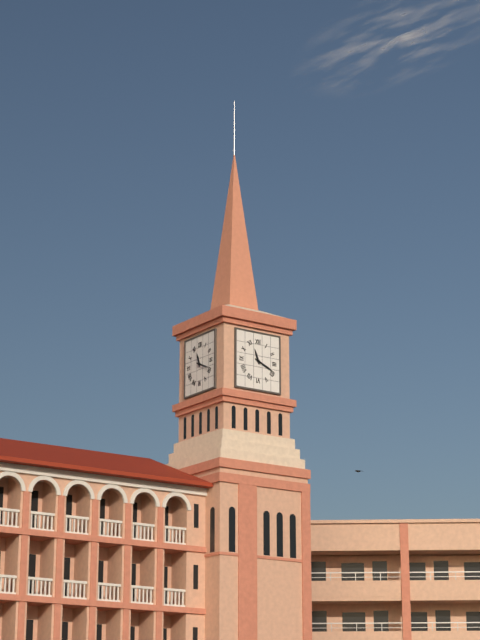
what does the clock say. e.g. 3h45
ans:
11h19
